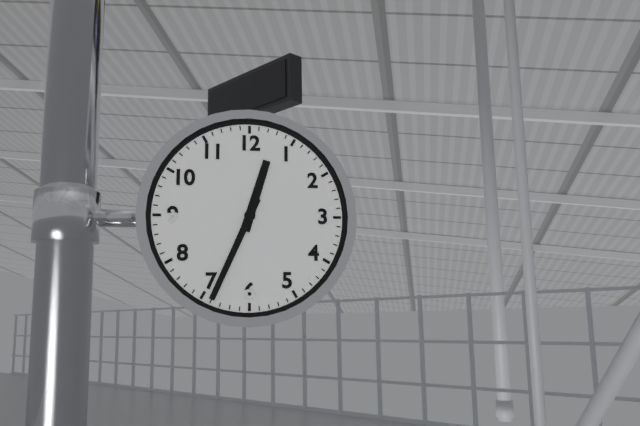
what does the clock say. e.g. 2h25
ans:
12h34
